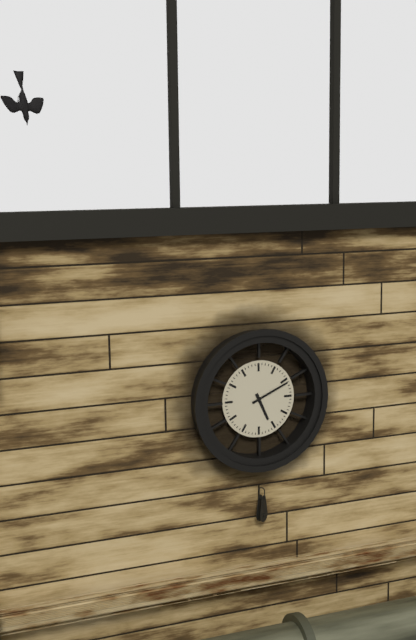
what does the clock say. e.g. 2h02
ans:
5h11
